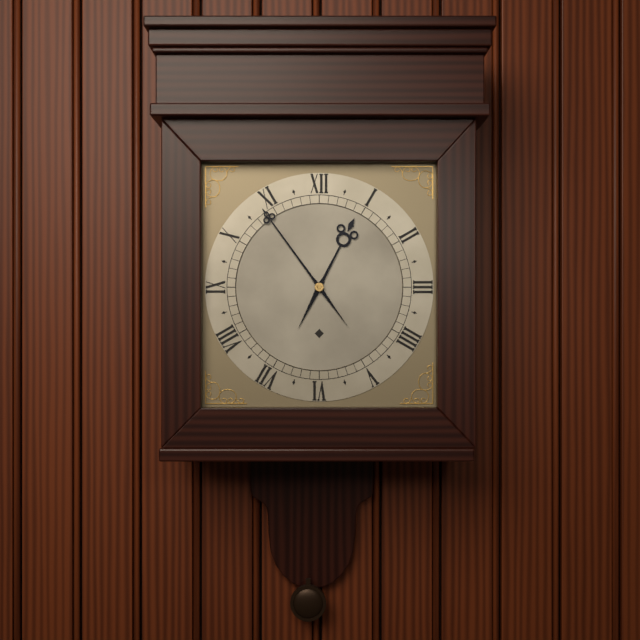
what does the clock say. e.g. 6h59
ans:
12h54
